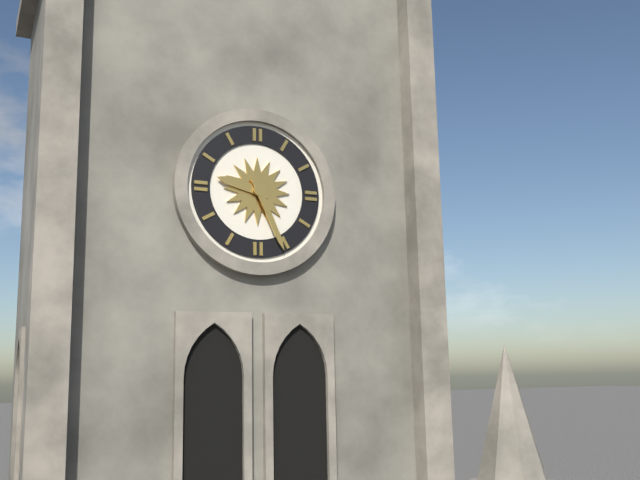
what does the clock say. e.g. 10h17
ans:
9h26
